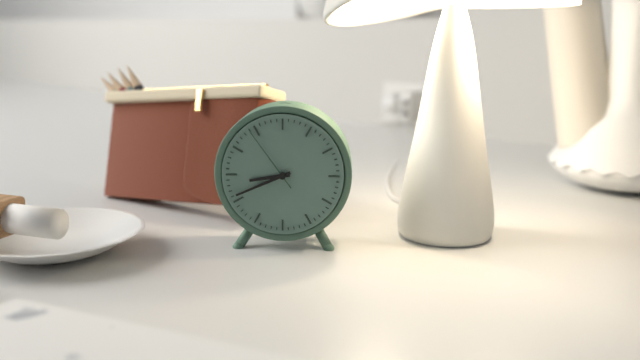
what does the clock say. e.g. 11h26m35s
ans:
8h41m54s
